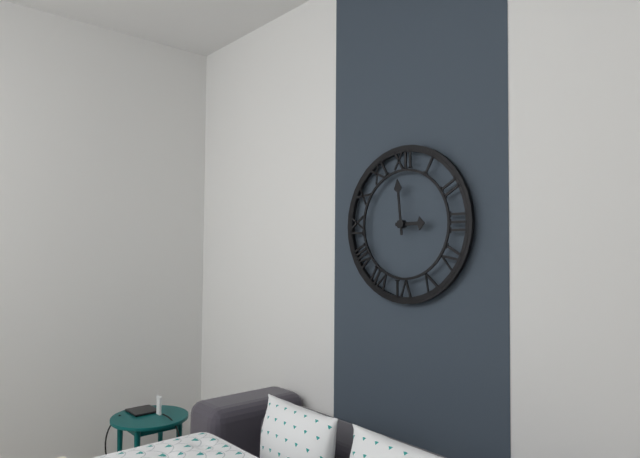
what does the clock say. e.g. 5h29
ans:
2h59
